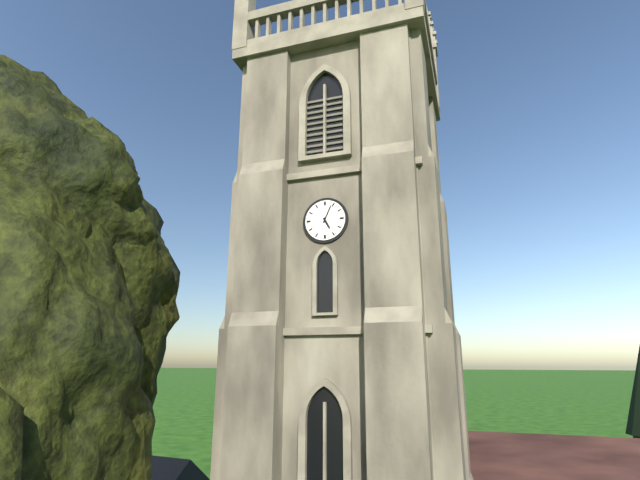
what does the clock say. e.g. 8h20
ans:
5h04
